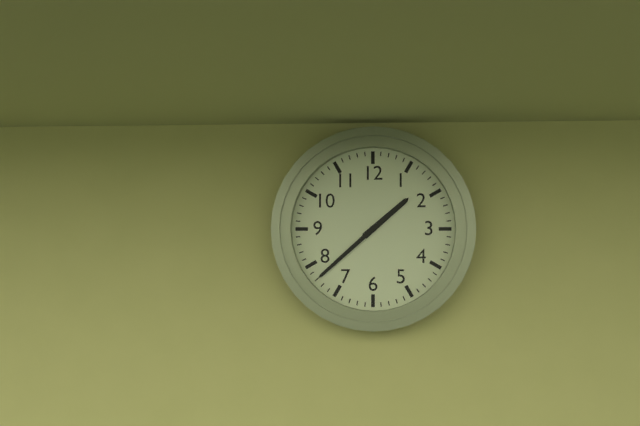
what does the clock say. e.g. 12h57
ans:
1h38
